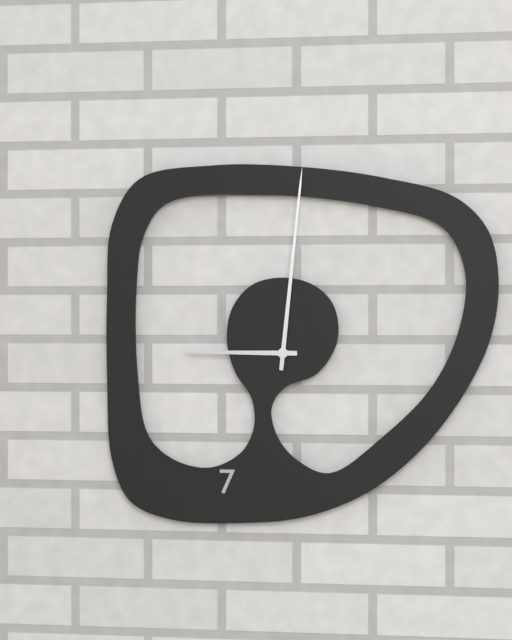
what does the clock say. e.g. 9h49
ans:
9h01
